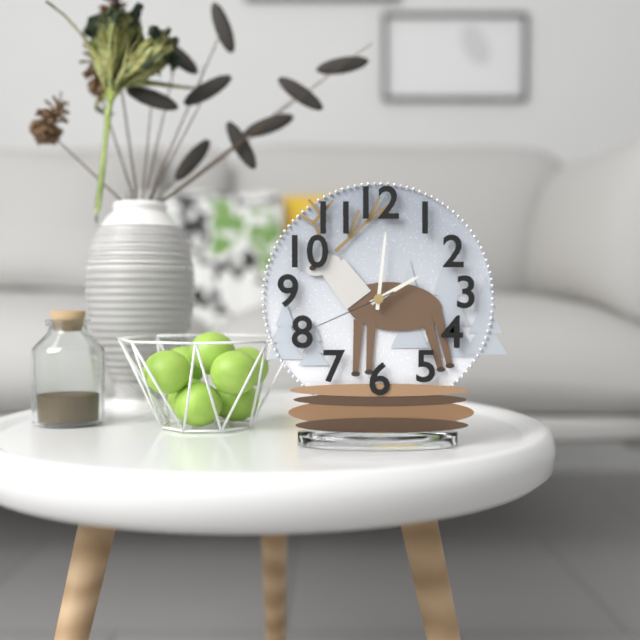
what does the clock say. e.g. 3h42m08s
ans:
2h01m41s
